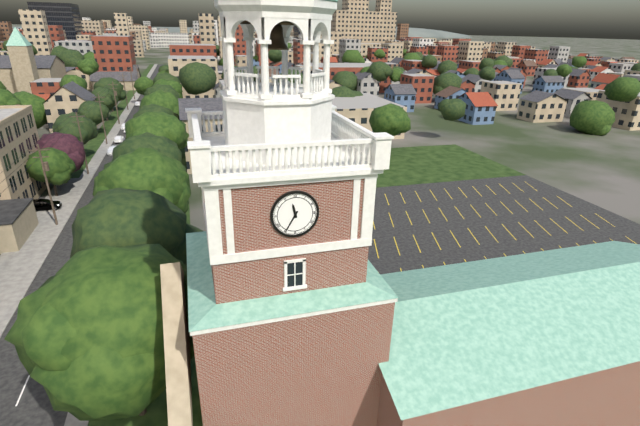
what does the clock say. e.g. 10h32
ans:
11h35
